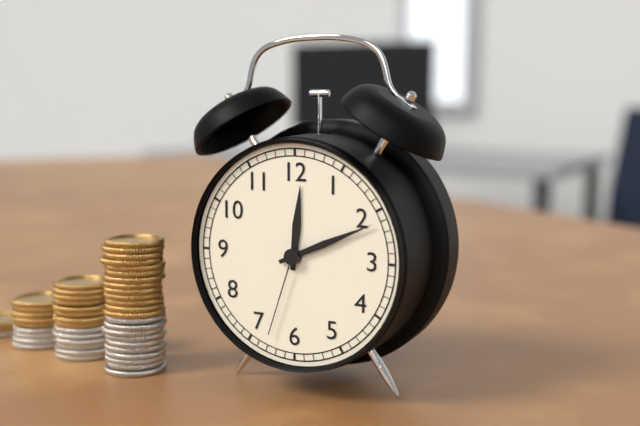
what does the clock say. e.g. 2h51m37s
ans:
12h11m33s
